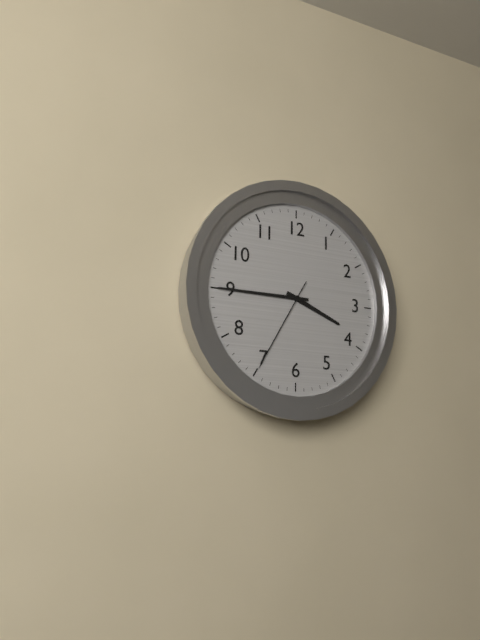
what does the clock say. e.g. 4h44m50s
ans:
3h45m35s
